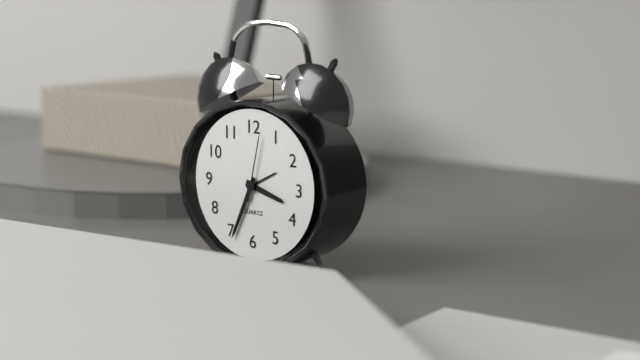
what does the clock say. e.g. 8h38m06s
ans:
3h34m02s
